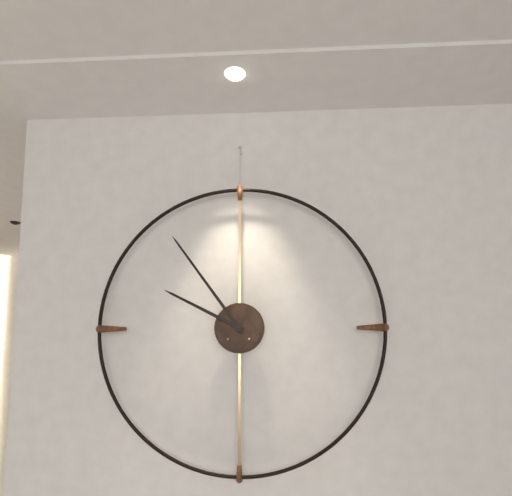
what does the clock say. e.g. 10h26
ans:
9h54
